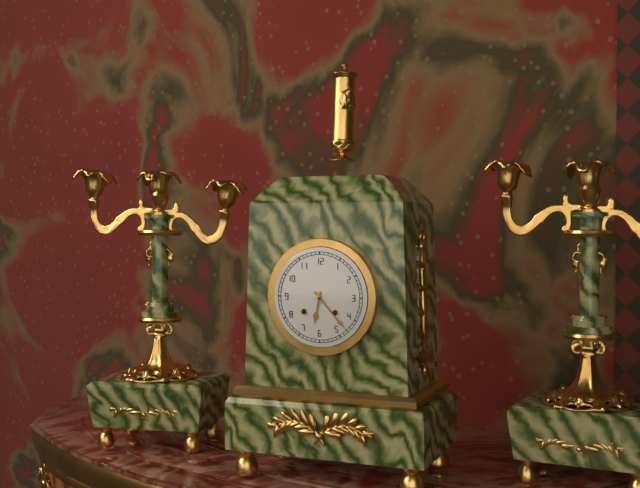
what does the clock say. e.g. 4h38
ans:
6h23
